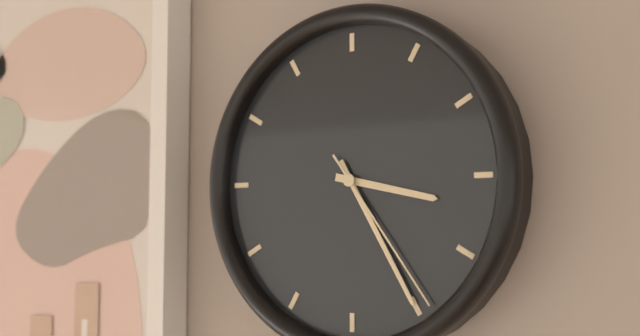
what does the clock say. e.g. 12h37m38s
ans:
3h25m24s
